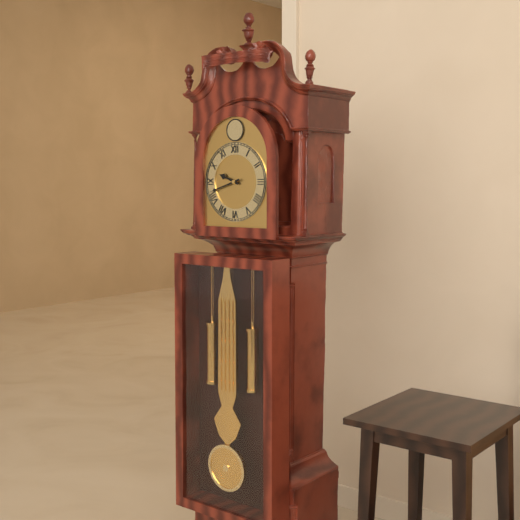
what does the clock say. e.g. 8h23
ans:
9h42
